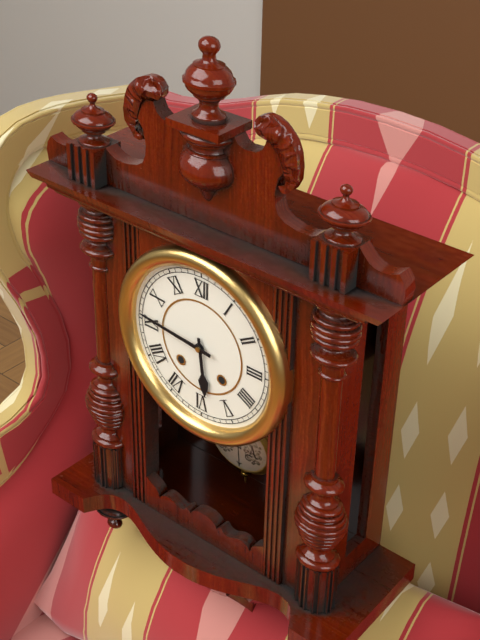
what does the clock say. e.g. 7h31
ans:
5h46
